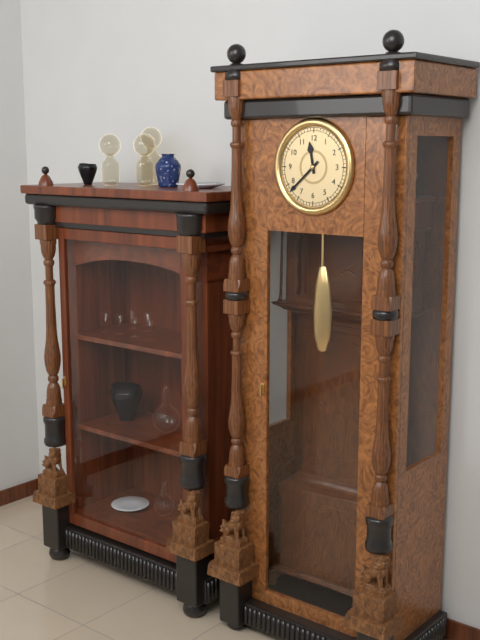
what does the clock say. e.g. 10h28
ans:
11h38
